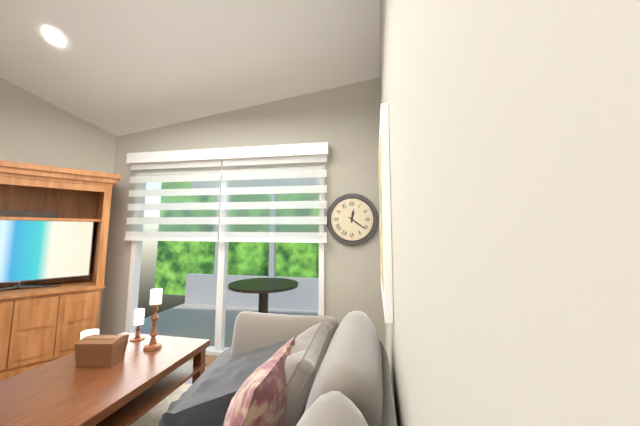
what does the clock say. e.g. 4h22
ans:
12h21
